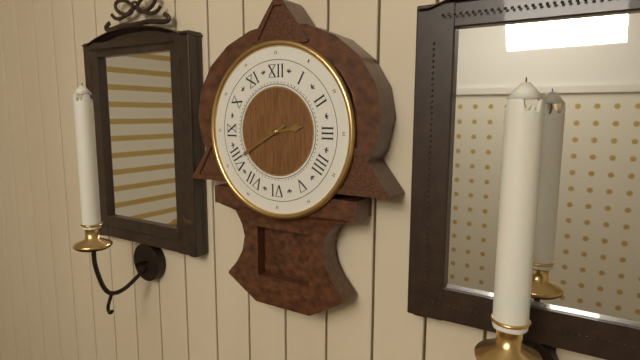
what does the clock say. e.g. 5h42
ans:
2h40
